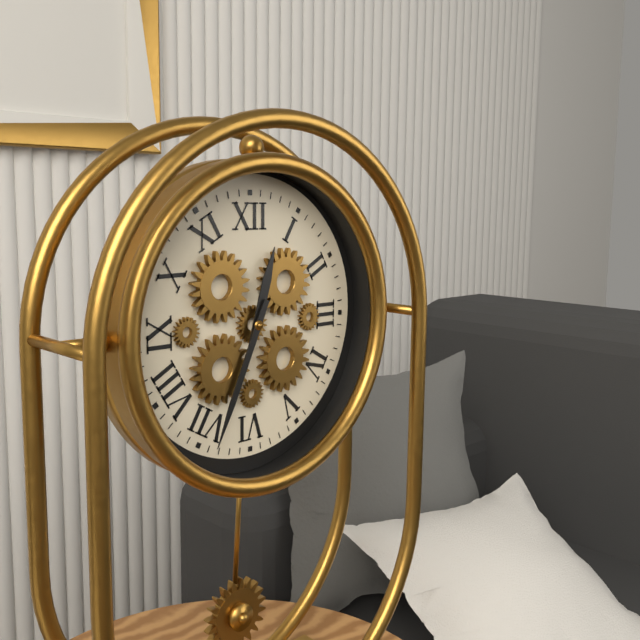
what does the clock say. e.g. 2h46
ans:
12h34
